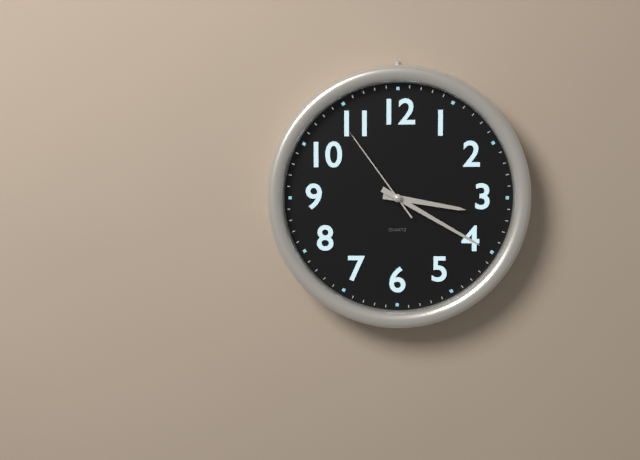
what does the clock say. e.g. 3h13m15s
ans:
3h20m54s
